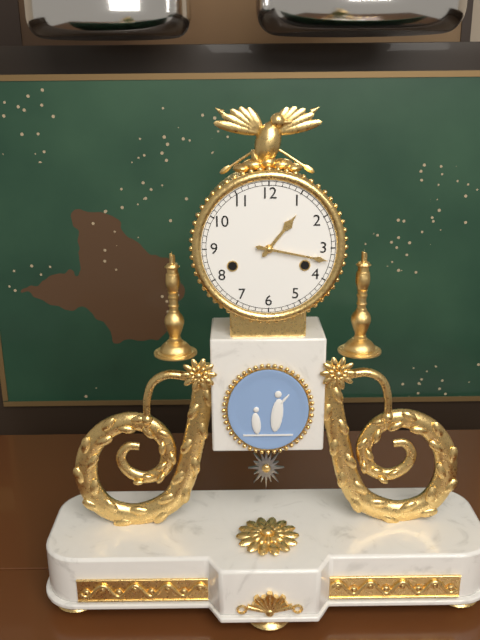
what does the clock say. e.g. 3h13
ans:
1h17
